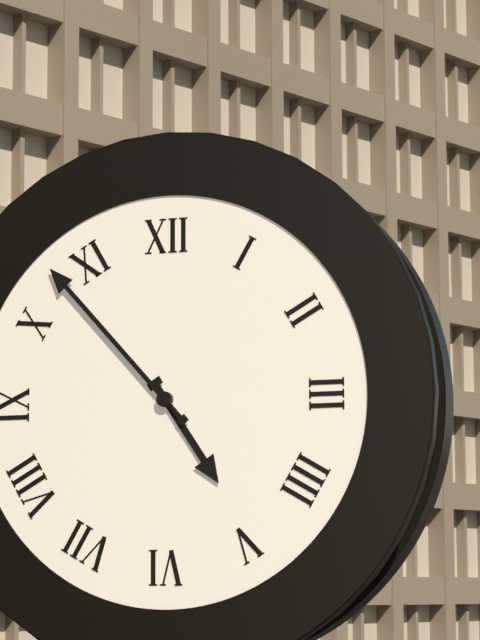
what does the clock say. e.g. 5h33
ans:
4h53
